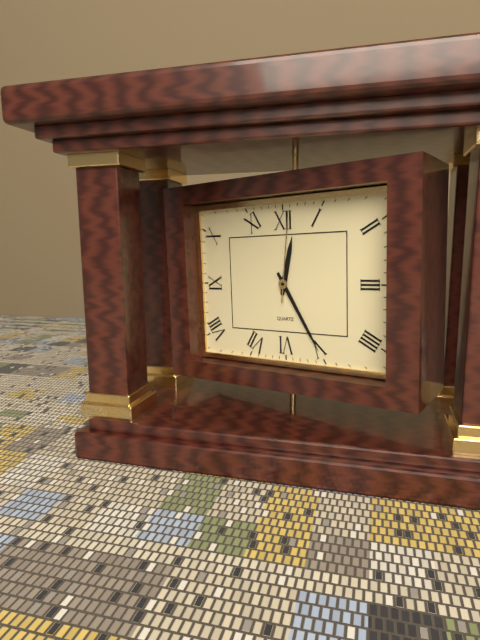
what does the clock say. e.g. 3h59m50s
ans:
12h25m01s
